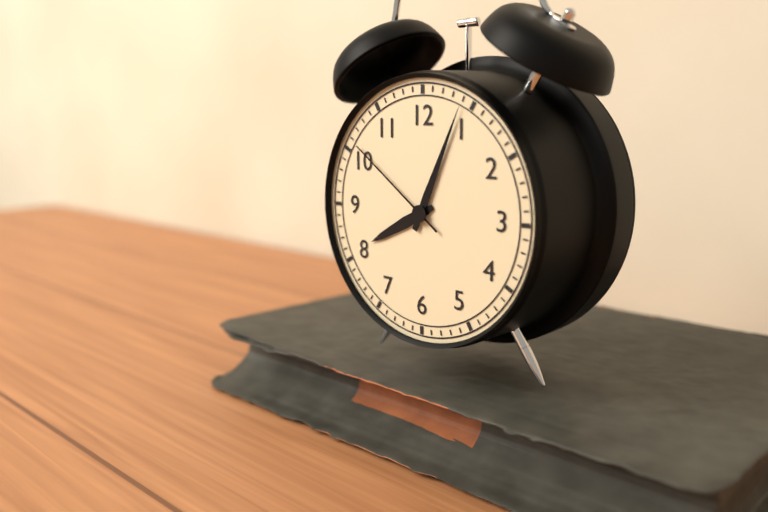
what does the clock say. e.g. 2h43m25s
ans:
8h04m51s
